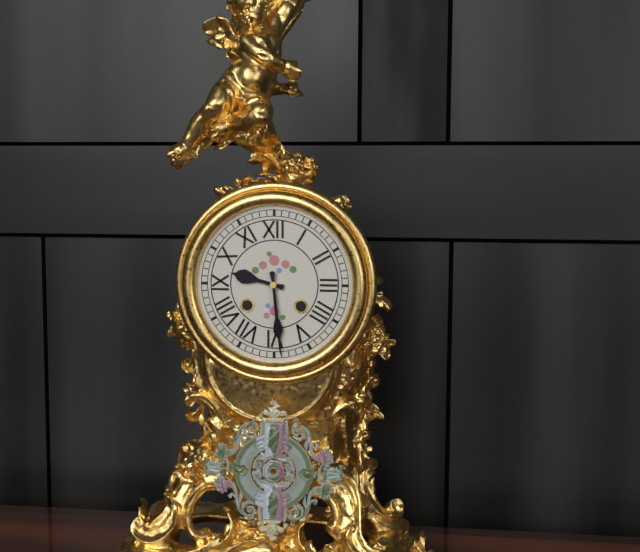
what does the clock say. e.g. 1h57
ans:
9h29
